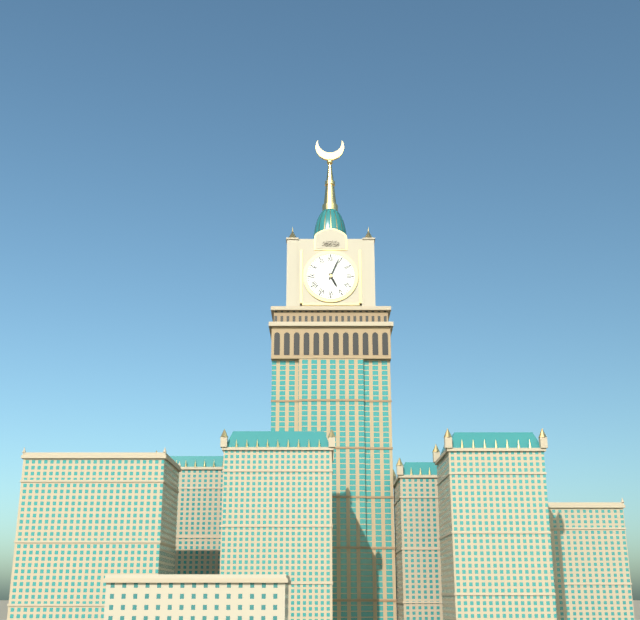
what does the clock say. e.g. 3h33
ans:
5h04
